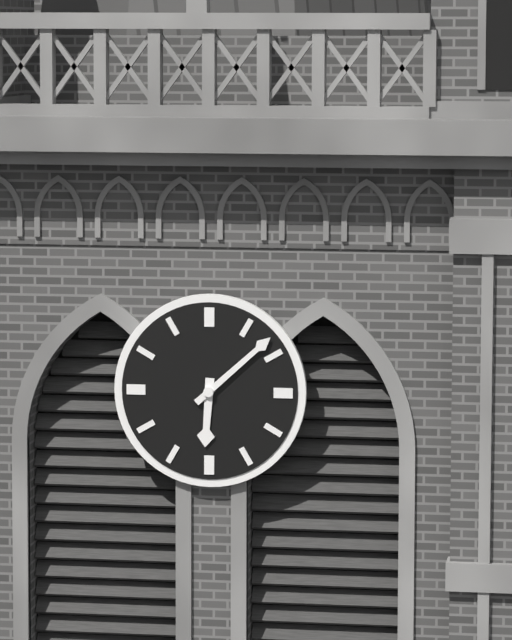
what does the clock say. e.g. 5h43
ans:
6h08
